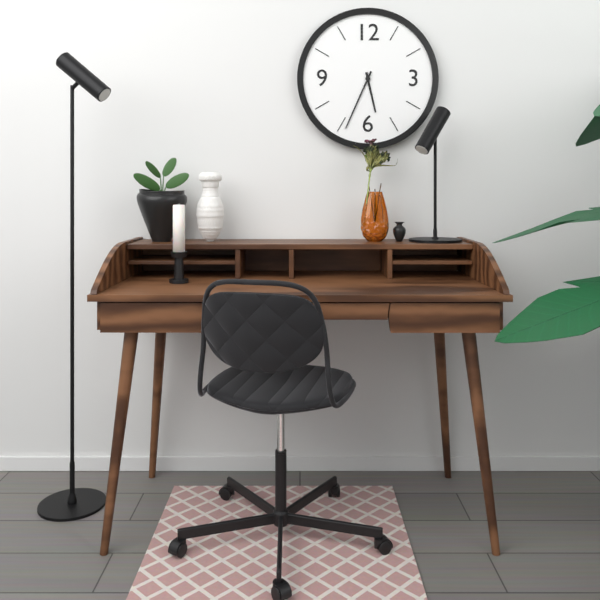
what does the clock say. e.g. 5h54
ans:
5h34
